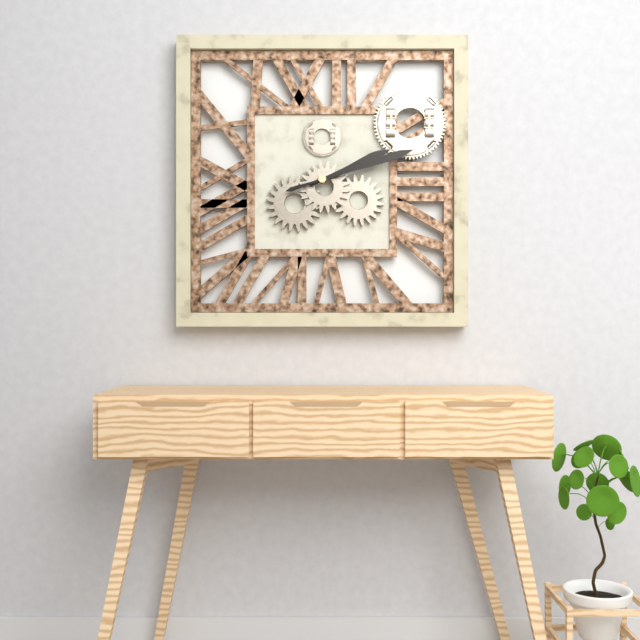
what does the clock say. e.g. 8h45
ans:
2h12
